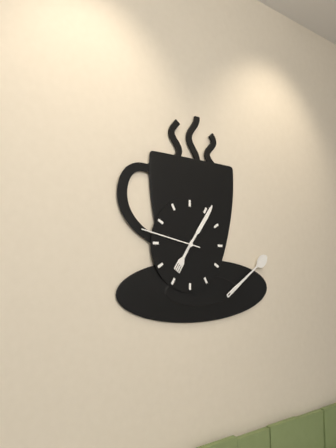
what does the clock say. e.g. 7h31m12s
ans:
7h06m47s
